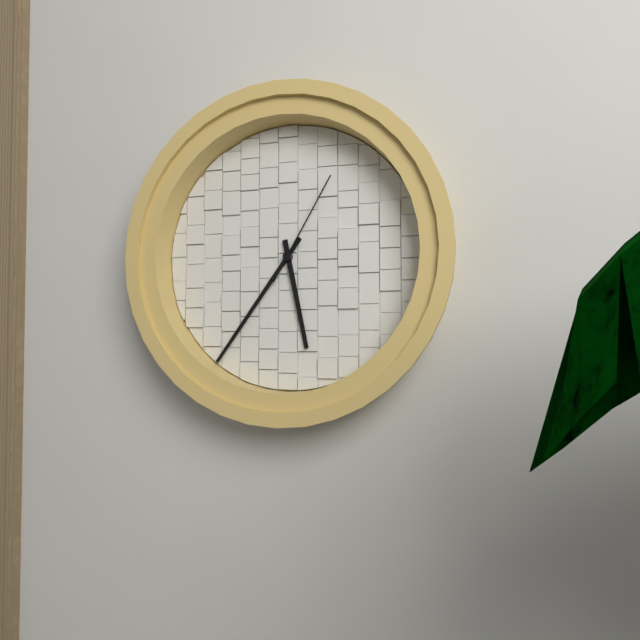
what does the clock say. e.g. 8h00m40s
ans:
5h36m05s
